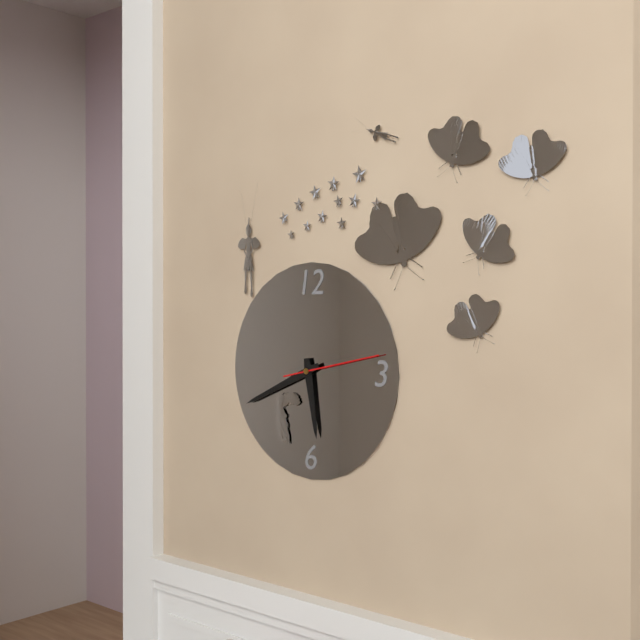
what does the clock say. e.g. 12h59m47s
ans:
5h41m13s
